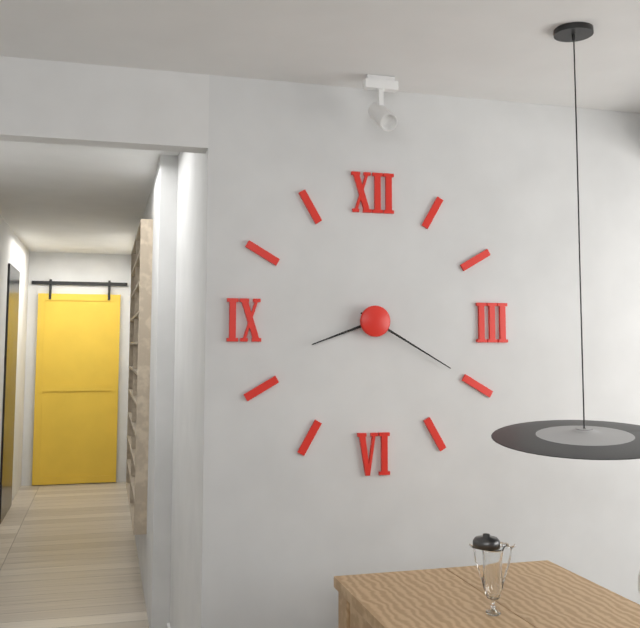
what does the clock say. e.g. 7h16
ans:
8h20
